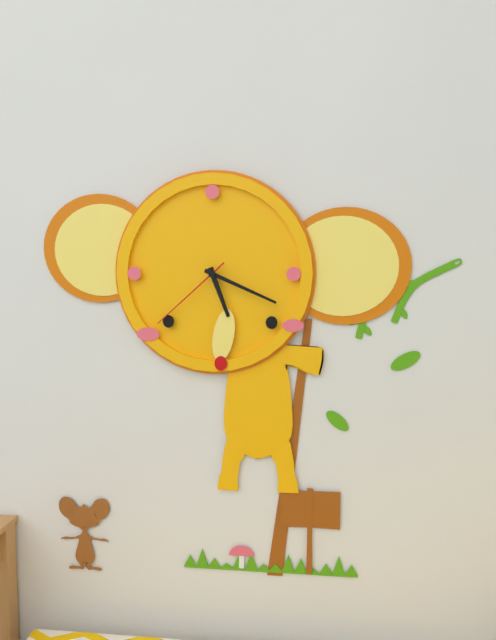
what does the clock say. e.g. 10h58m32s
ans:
5h19m38s
